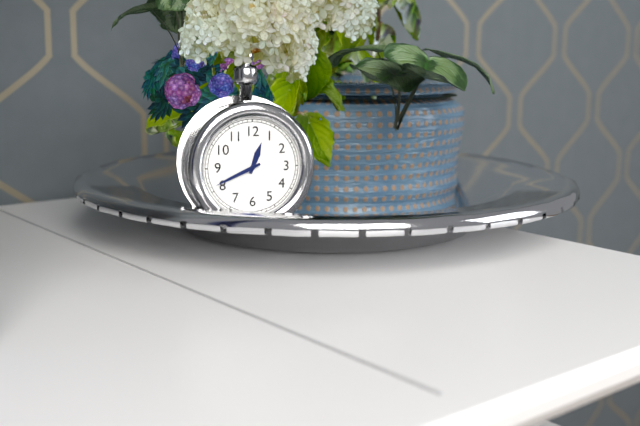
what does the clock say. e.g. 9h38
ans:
12h41
